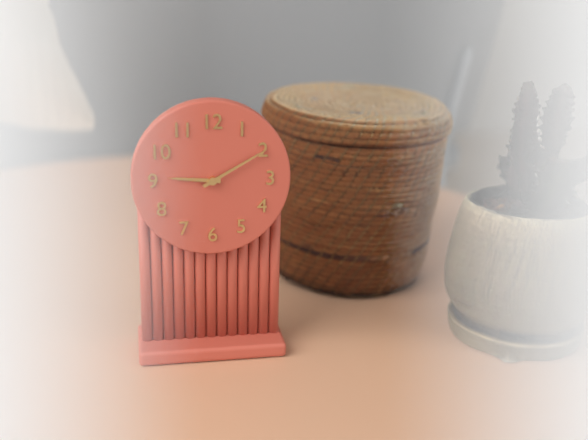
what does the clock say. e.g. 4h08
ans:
9h10
